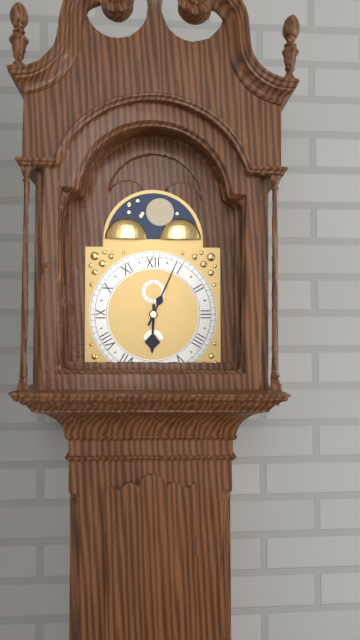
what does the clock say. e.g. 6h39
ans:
6h04
